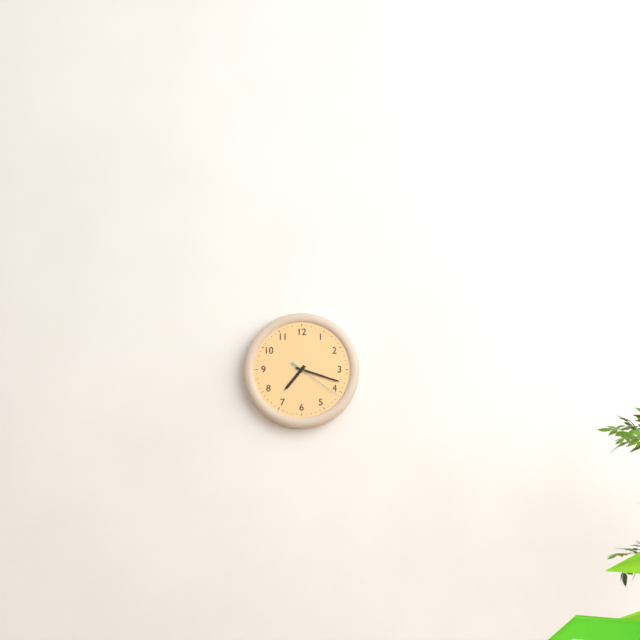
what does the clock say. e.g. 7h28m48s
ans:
7h18m21s
